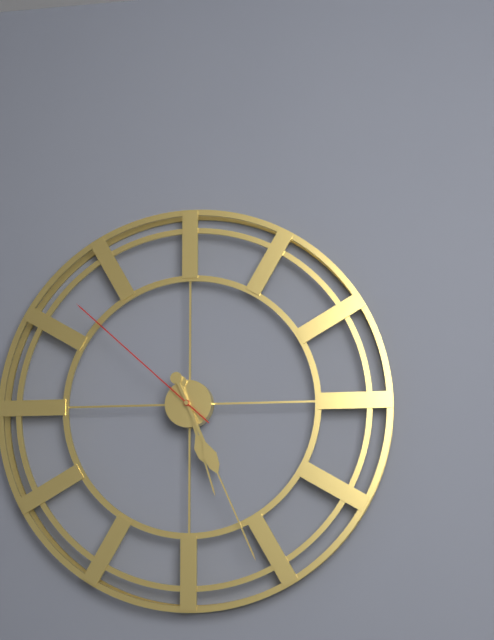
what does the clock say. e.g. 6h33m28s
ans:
5h26m52s
